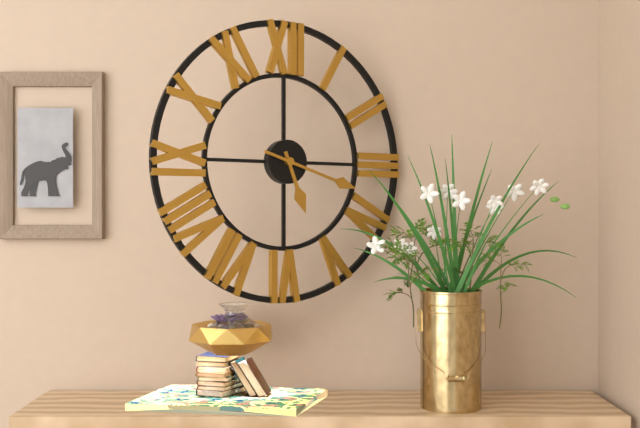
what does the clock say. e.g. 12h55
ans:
5h18
